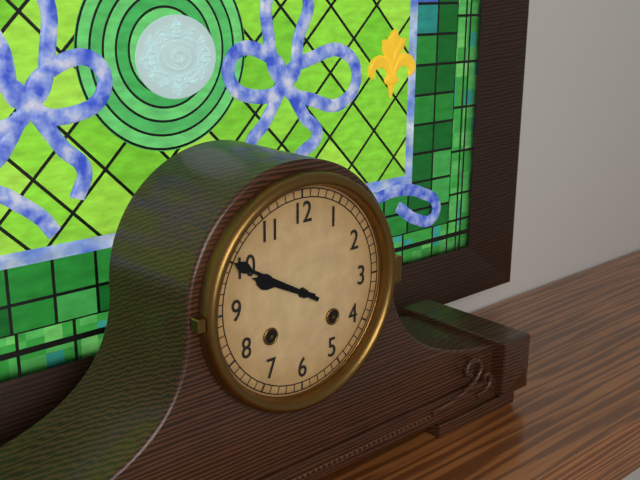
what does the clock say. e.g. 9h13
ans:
9h50
